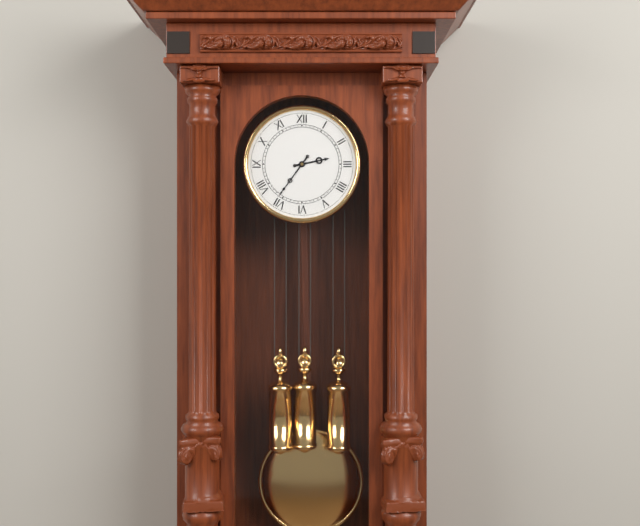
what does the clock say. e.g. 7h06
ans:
2h36
